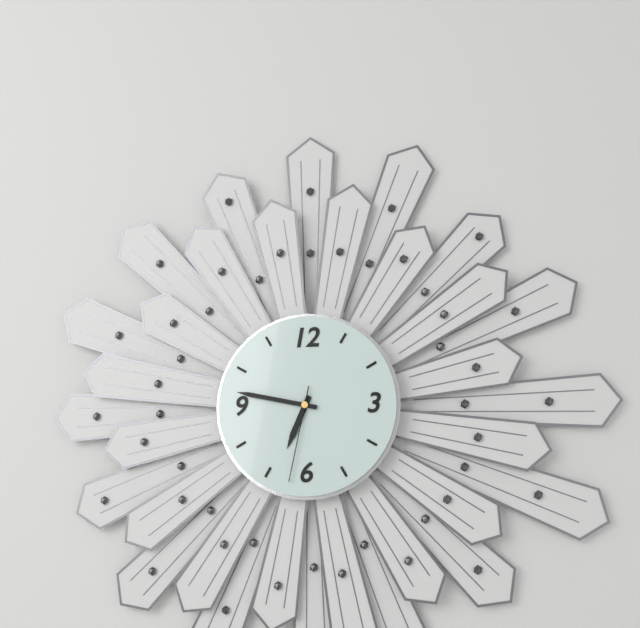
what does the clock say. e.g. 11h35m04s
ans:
6h47m32s
